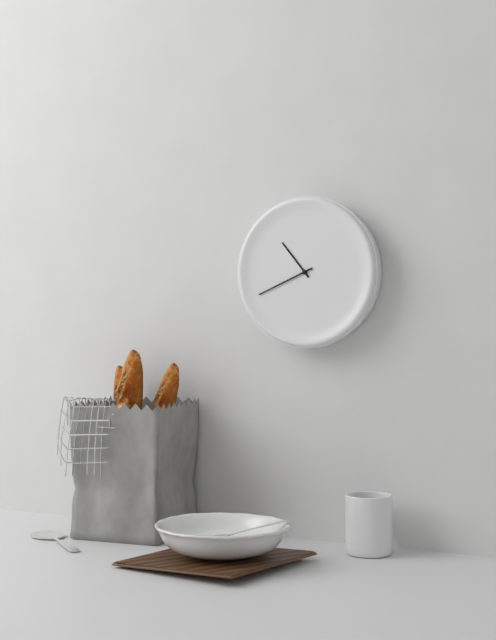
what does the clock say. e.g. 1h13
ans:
10h41
